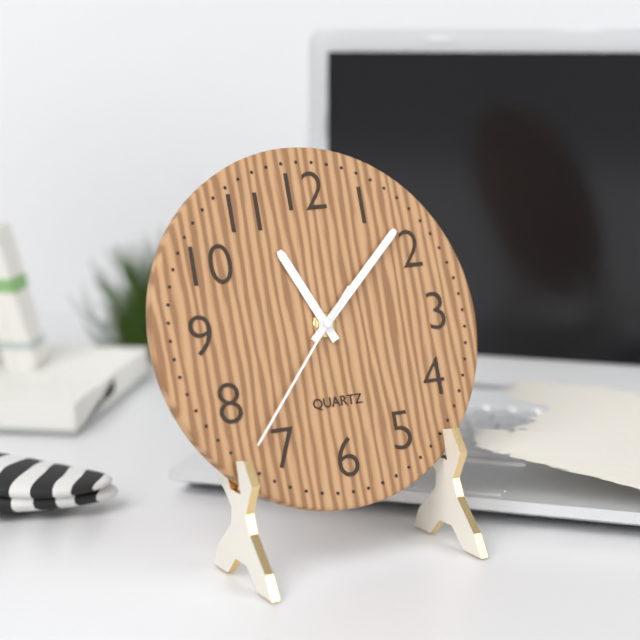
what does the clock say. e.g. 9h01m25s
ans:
11h08m37s
